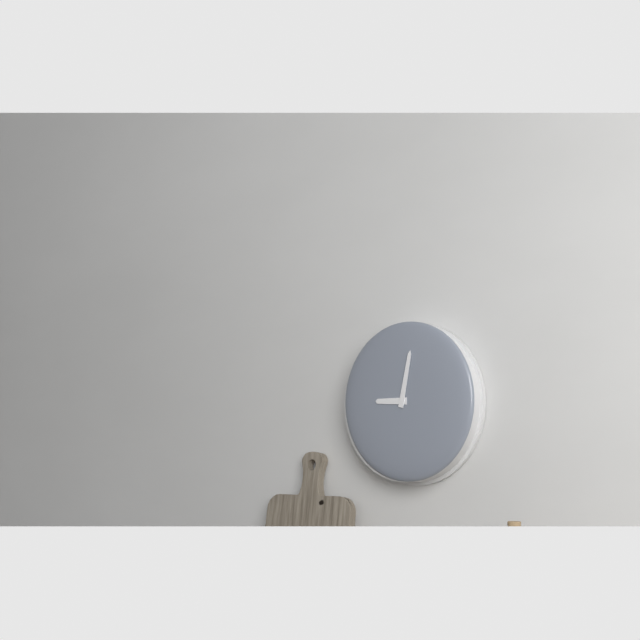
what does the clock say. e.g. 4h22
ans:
9h02
